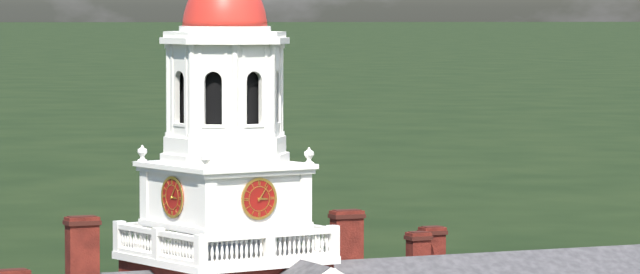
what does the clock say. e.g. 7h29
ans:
3h06
